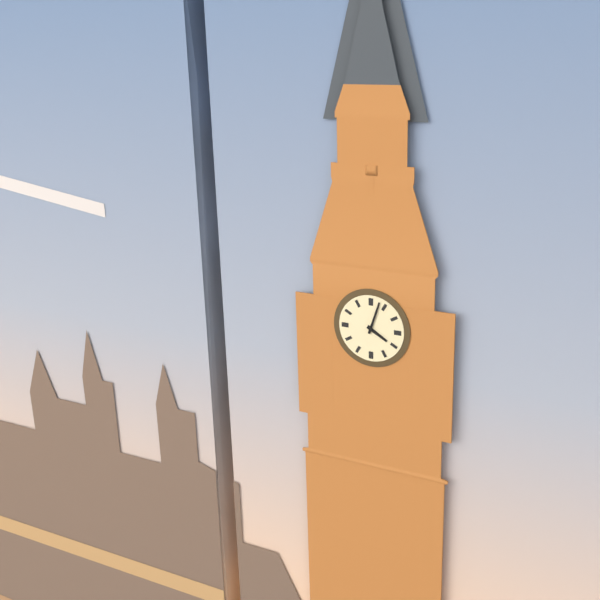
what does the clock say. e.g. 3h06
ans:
4h03
